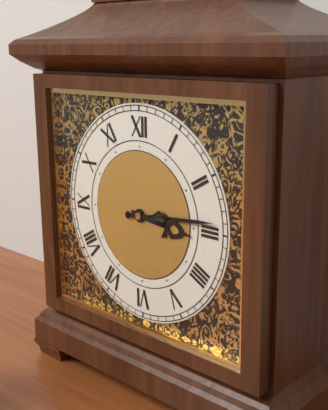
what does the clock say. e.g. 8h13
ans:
3h14
